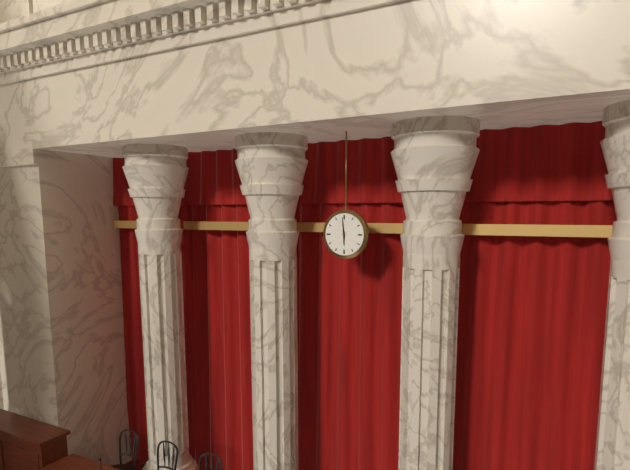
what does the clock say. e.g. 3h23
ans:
5h59
